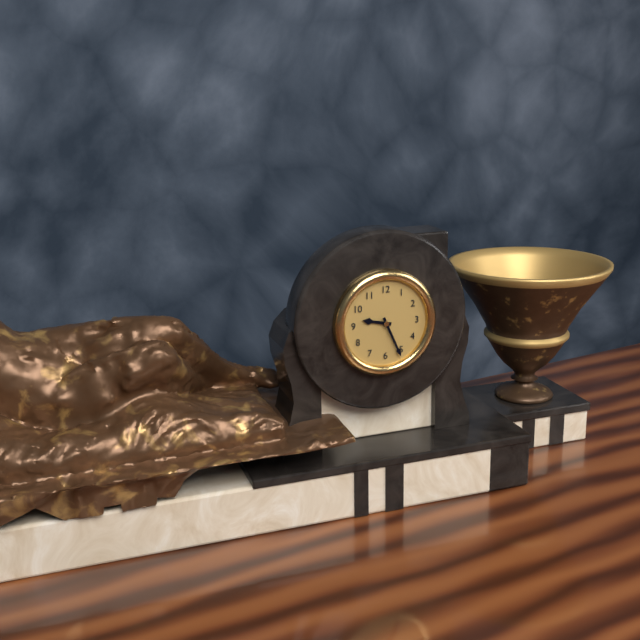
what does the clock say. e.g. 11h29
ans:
9h26
